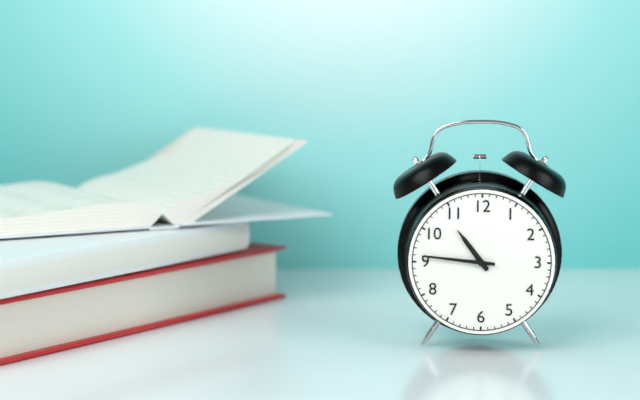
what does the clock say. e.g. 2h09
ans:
10h46
